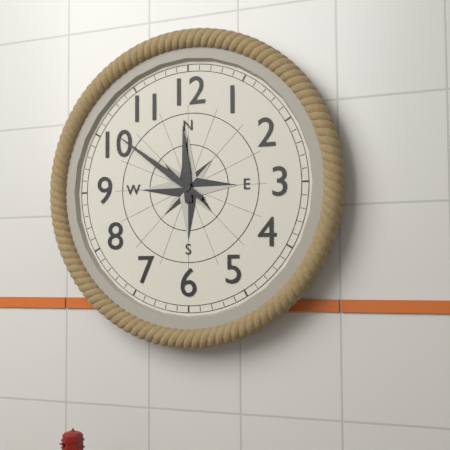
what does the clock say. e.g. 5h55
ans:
11h51
